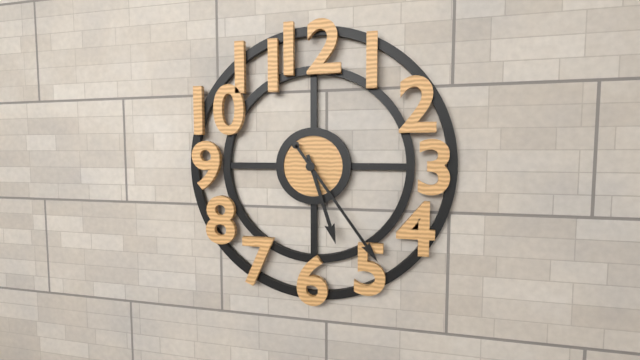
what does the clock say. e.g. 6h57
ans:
5h24
